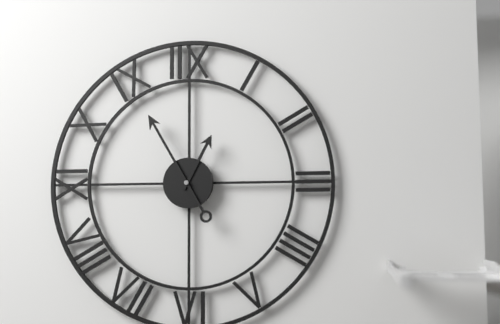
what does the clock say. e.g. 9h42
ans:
12h55
